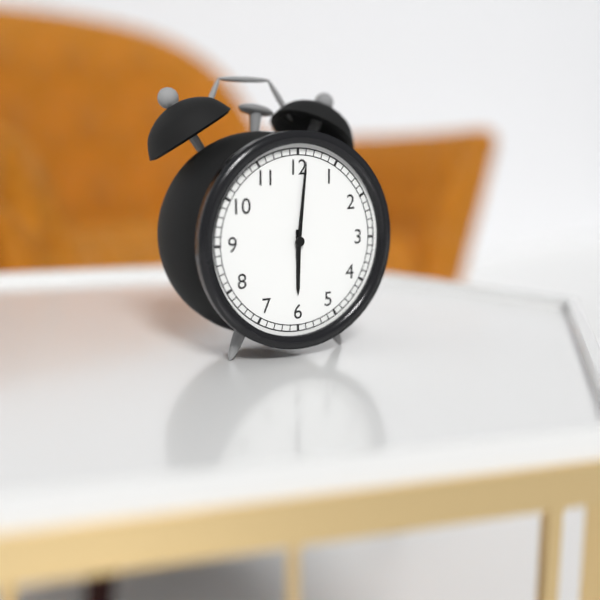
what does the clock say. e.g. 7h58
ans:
6h01
